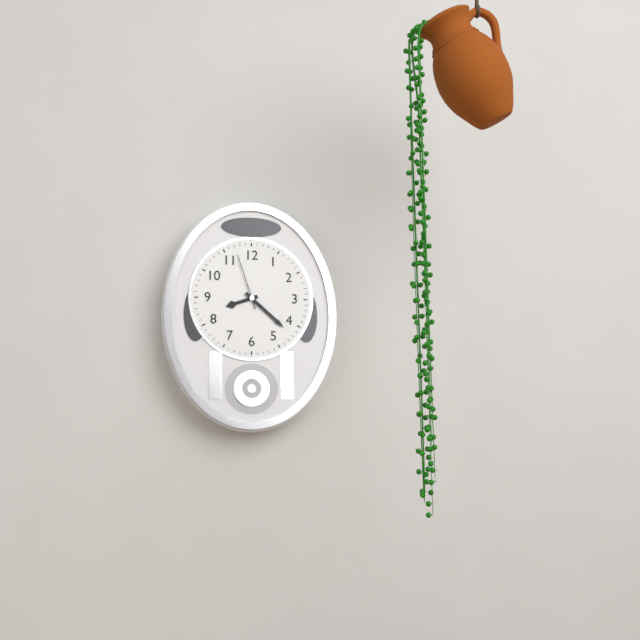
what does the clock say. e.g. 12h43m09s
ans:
8h22m57s
